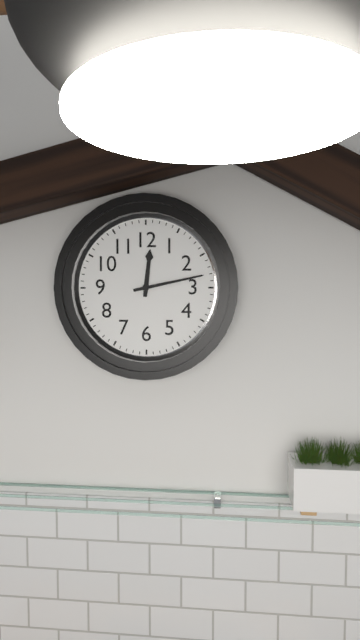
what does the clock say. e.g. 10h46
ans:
12h13
